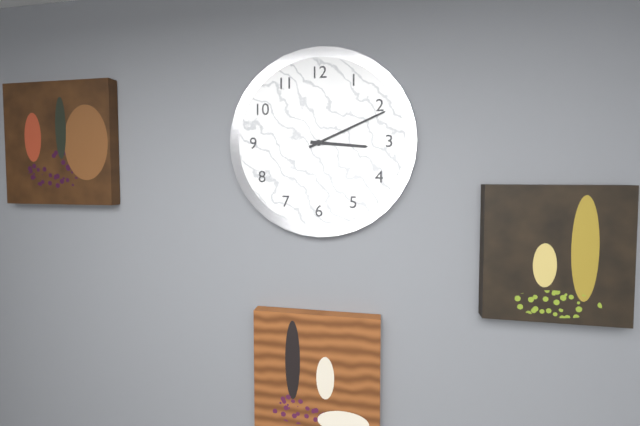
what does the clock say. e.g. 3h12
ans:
3h11
